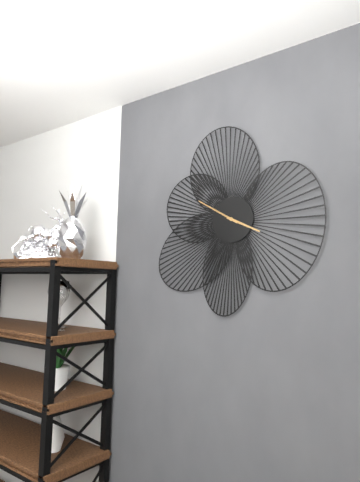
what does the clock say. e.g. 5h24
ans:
3h50
